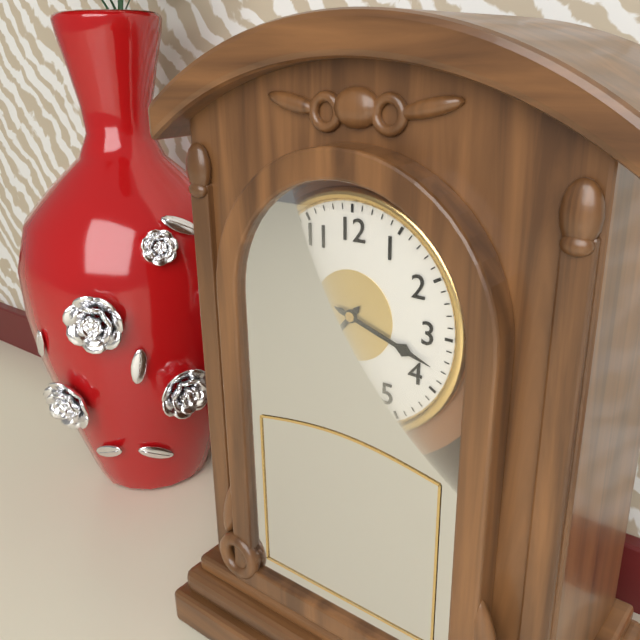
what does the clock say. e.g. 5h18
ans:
7h18
